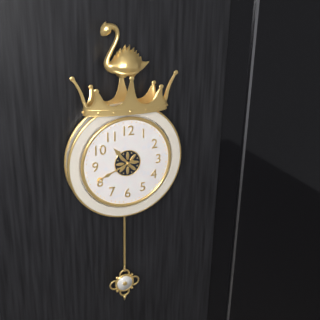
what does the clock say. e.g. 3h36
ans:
10h41
